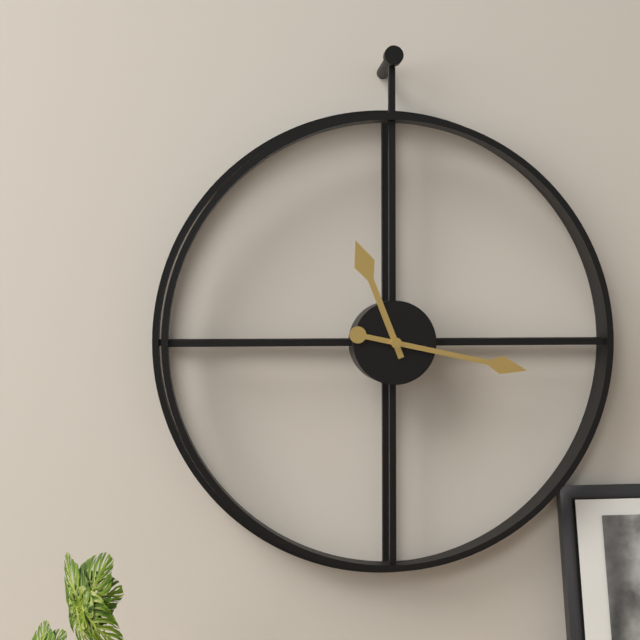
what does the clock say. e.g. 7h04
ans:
11h17
